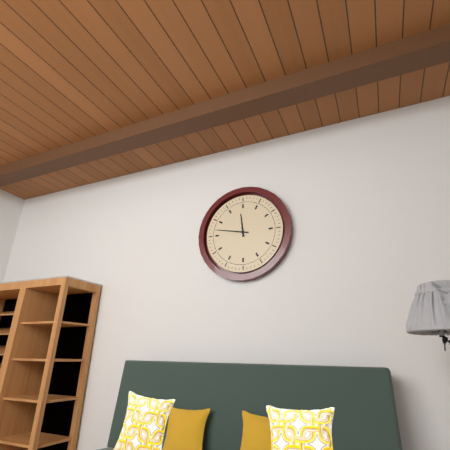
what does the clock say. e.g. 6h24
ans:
11h47
